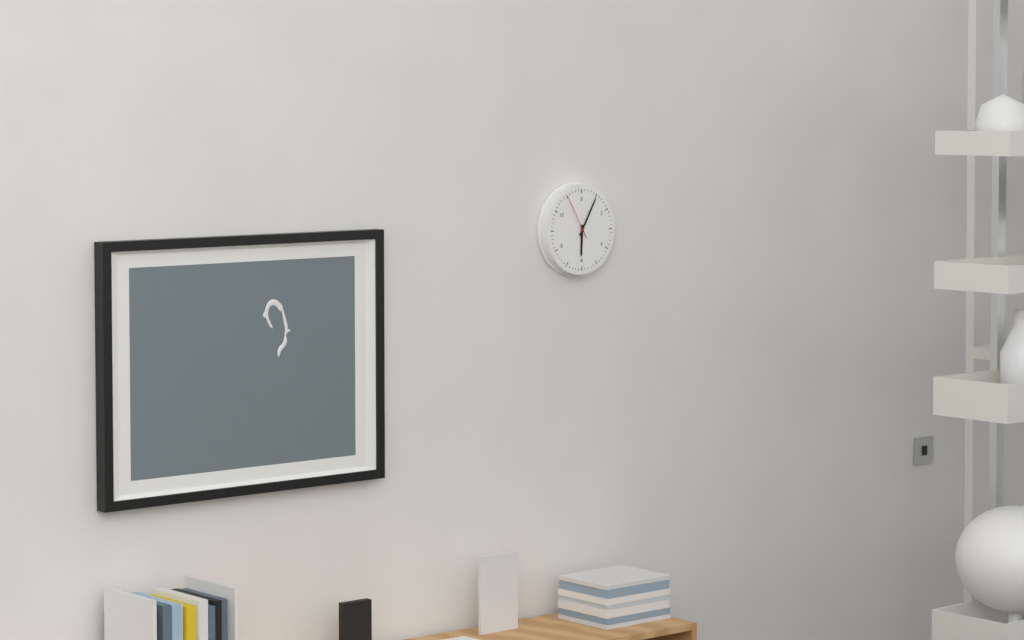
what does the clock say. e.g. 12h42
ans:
6h05
